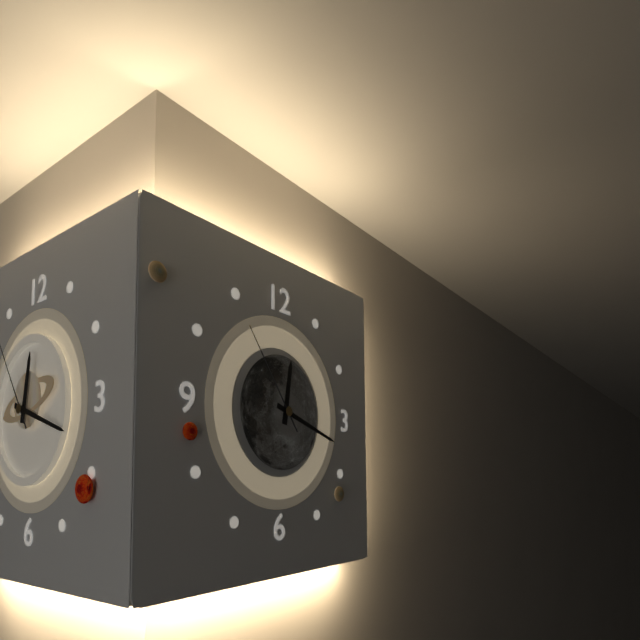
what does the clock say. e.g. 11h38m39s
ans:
12h18m54s
